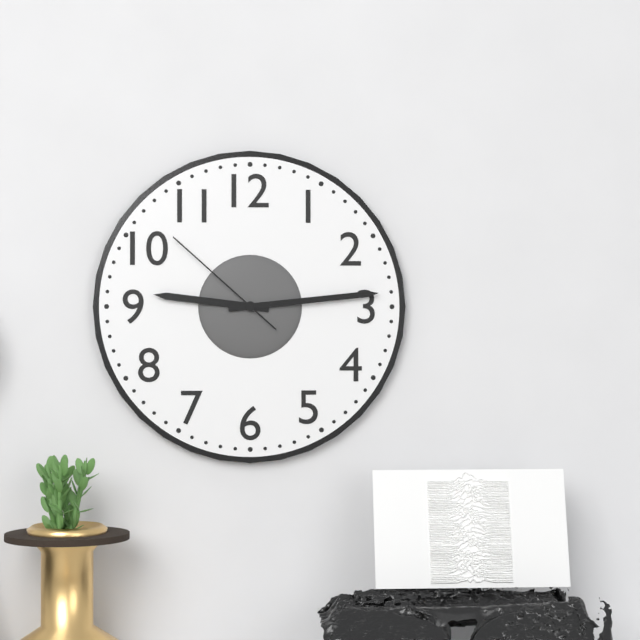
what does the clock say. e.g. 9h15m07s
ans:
9h14m52s
